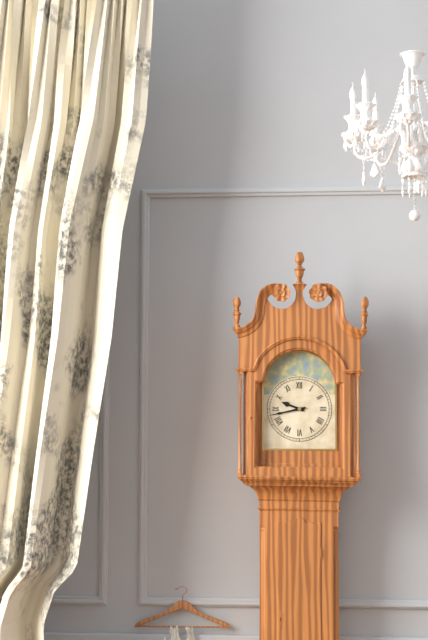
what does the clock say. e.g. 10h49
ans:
9h43
